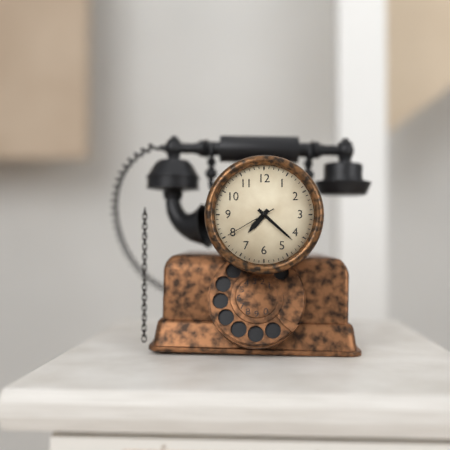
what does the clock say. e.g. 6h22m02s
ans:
7h22m40s
